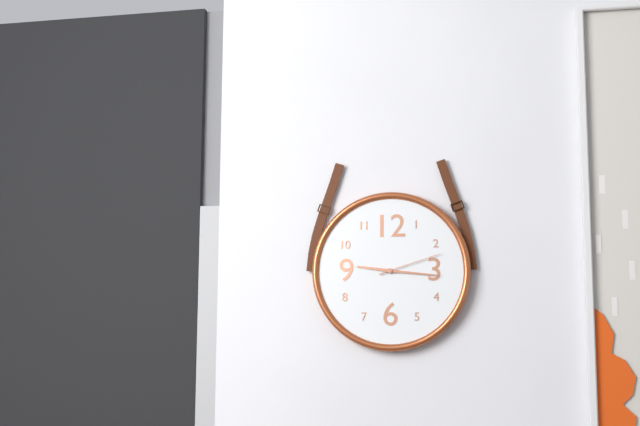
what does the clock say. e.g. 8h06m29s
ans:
9h16m12s
